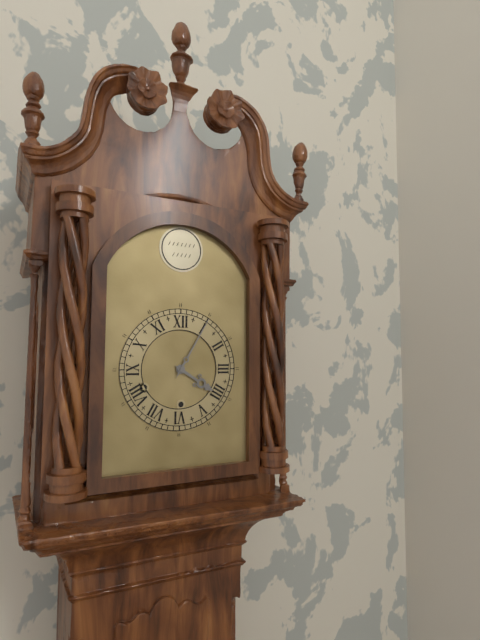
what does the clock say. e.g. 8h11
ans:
4h05
